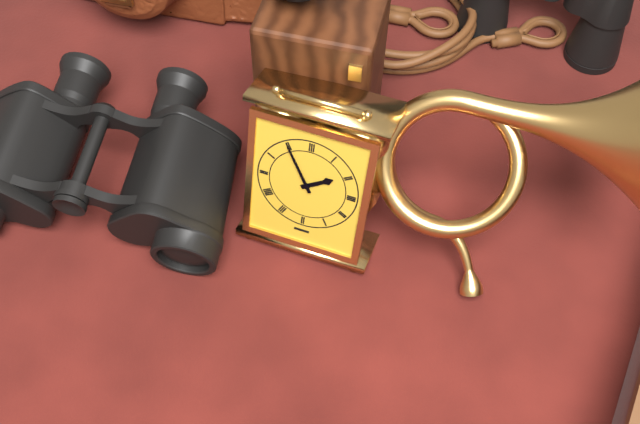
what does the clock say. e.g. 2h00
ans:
1h55
